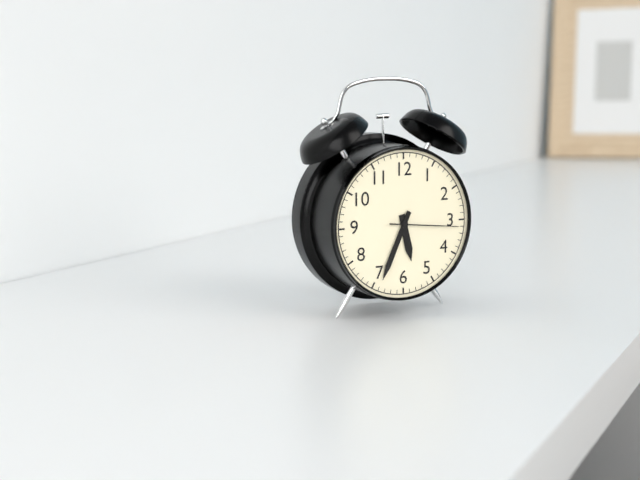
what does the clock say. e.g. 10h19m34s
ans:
5h34m16s
